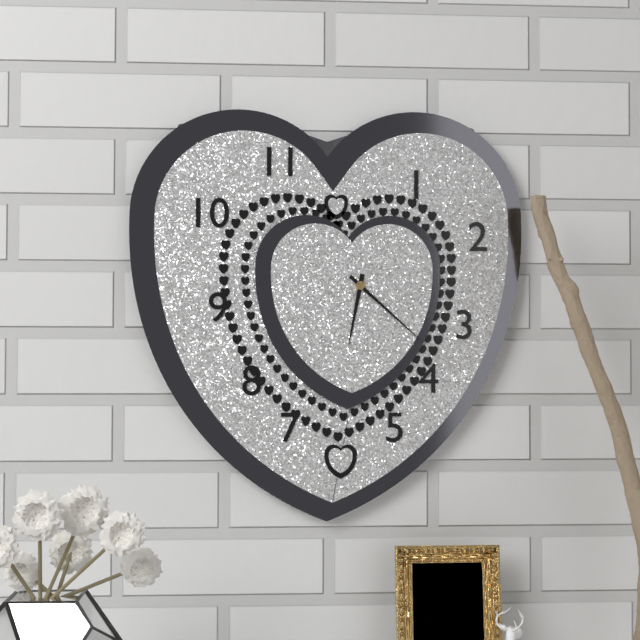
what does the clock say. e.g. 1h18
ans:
6h22
